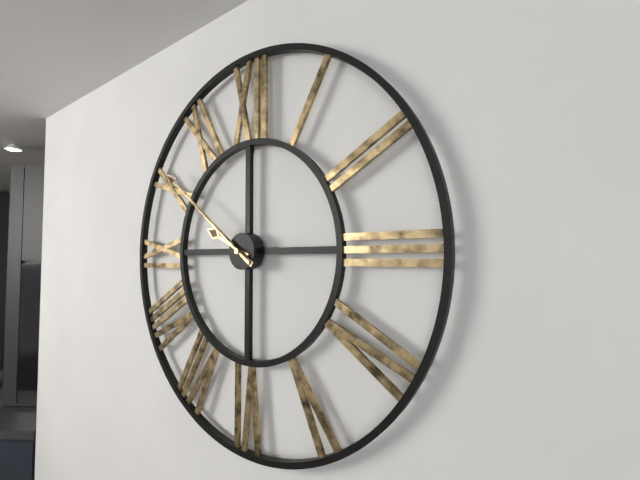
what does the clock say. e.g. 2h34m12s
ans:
9h51m51s
